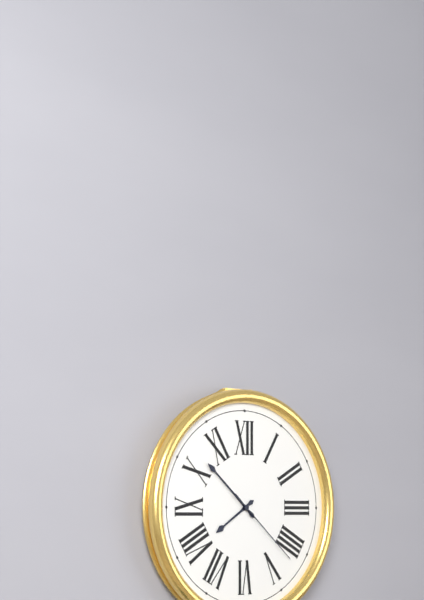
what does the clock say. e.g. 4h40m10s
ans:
7h52m22s
